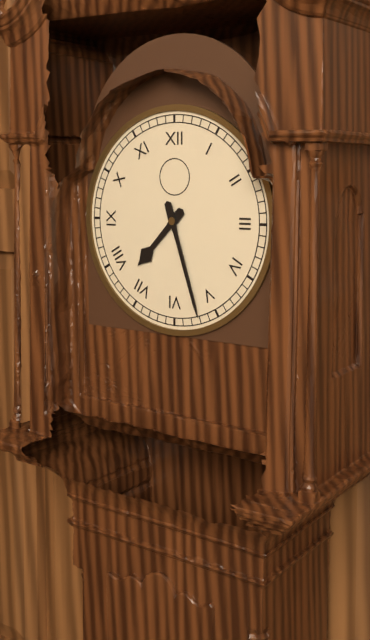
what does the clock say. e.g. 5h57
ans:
7h27
